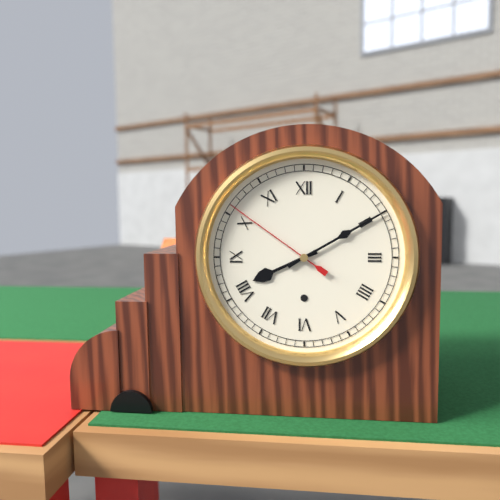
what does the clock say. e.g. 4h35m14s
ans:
8h10m51s
